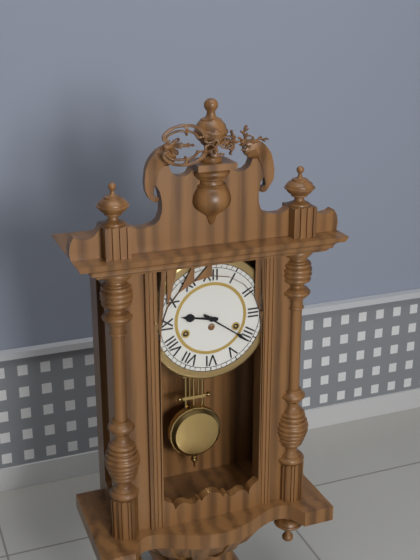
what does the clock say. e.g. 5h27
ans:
9h21
